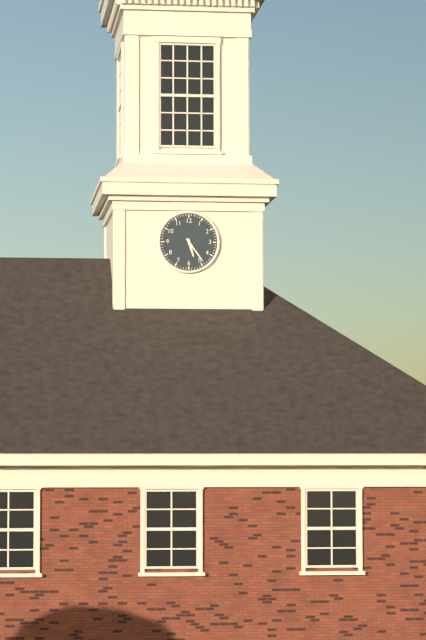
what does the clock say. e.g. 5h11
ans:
5h24
